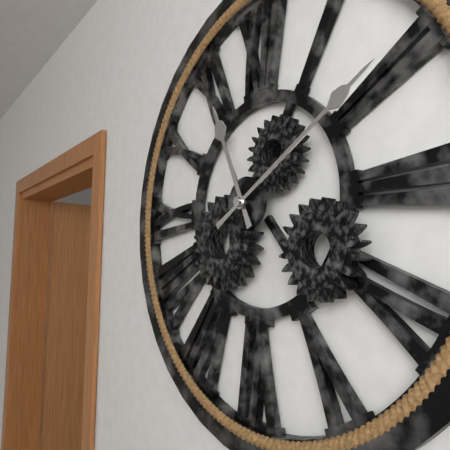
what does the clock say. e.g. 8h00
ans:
11h10
